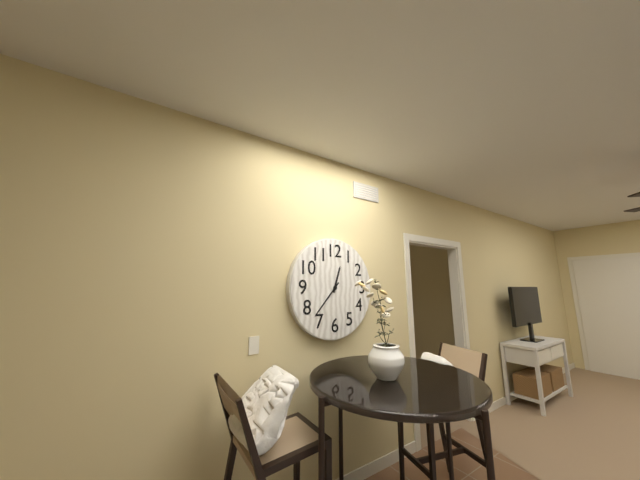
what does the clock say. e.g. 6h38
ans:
12h37
